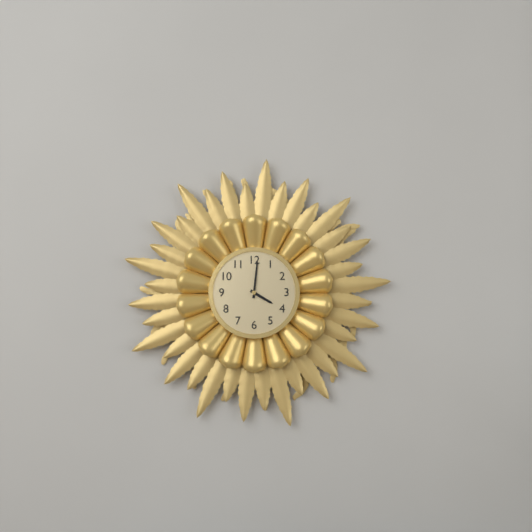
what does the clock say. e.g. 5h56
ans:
4h01
